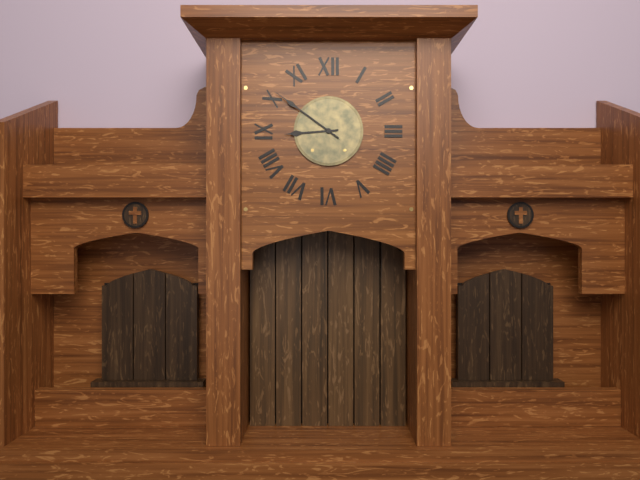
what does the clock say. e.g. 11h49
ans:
8h51
